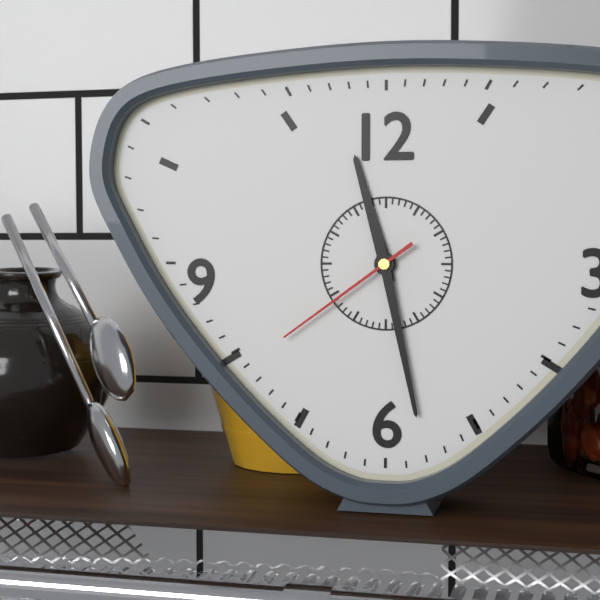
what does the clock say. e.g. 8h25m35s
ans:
11h28m39s
